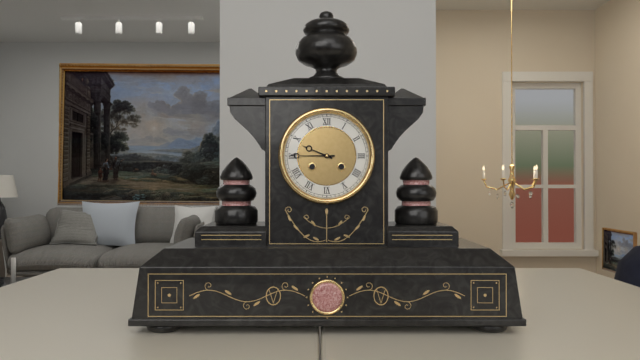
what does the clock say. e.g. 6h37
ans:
9h45
